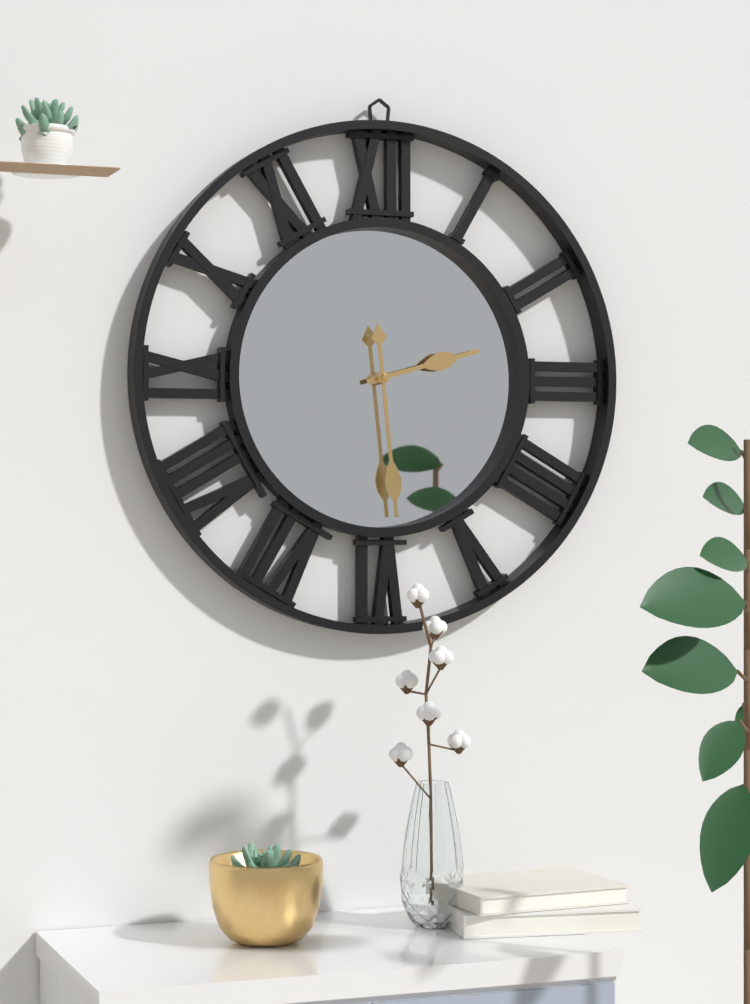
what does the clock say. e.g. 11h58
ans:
2h29
